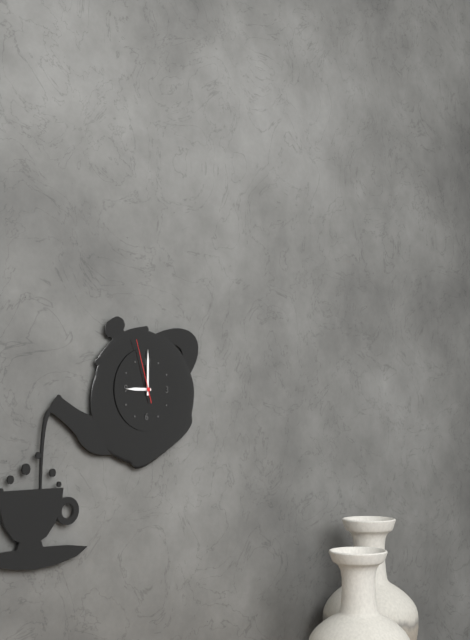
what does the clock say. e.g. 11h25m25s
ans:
9h00m57s
